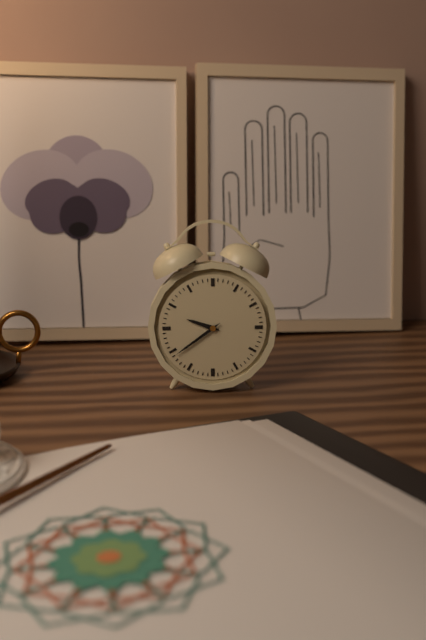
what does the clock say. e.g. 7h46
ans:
9h39
